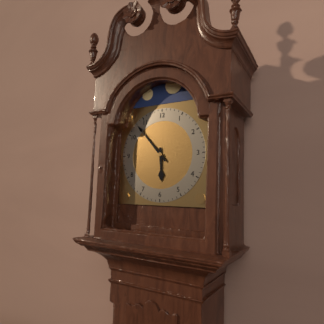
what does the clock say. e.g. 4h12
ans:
5h53
